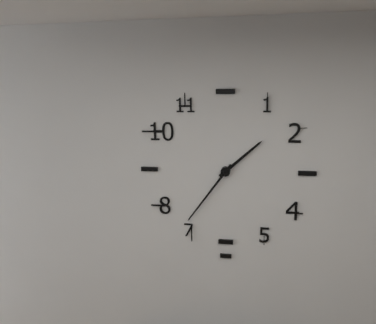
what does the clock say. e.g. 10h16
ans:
1h36
